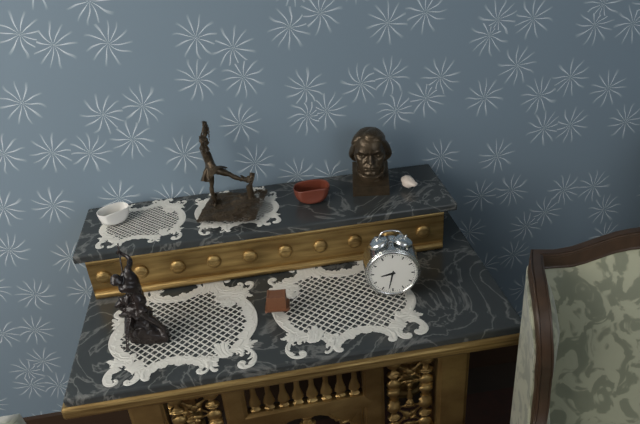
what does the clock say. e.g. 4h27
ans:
8h32
